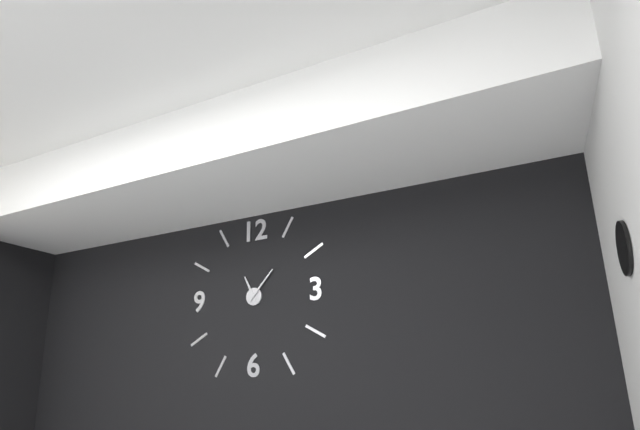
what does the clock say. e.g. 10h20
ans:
11h07
